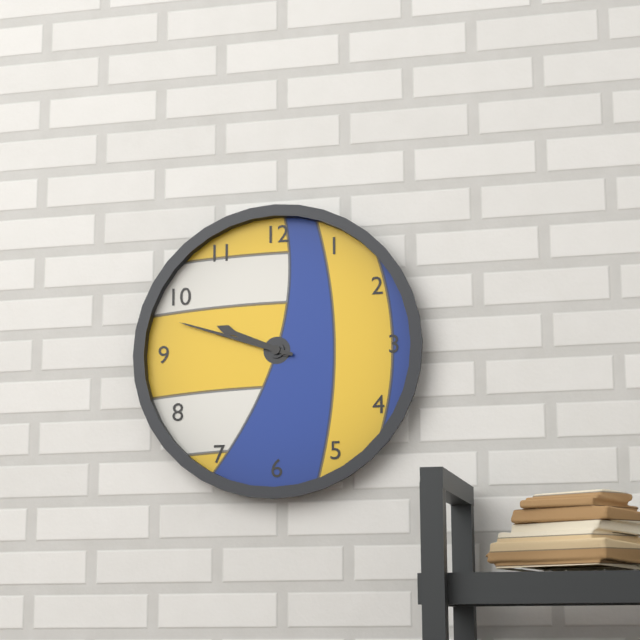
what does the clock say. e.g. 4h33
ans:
9h48
